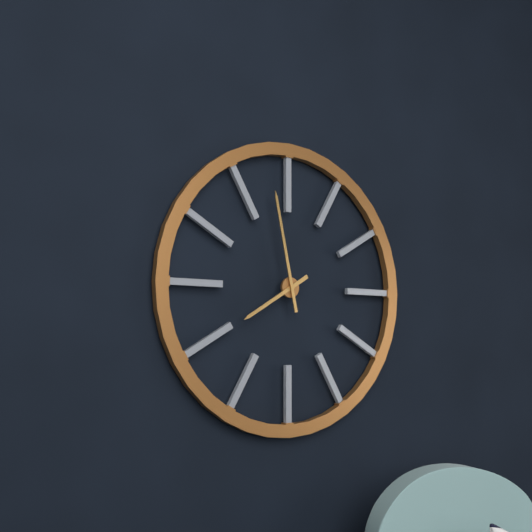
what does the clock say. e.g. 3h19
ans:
7h58
